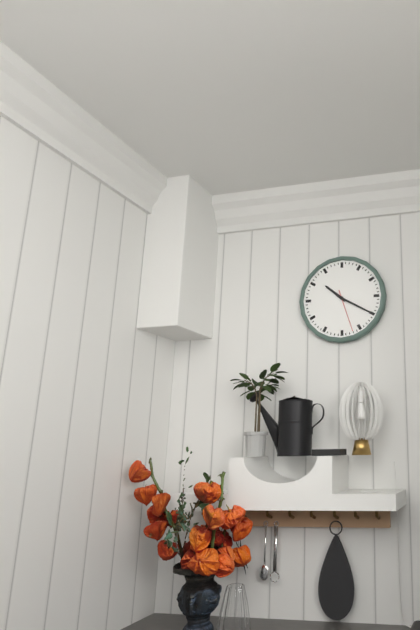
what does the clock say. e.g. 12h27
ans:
10h20
